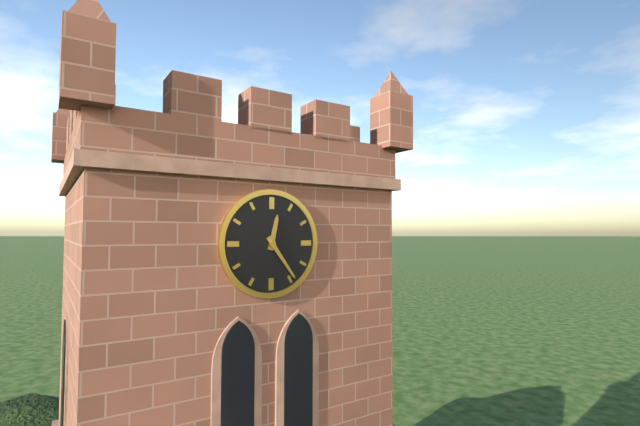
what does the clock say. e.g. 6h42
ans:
12h24
